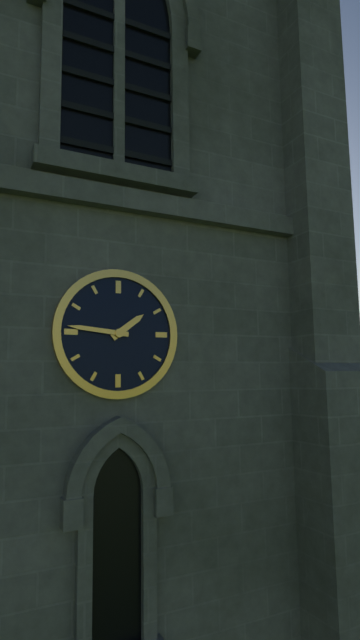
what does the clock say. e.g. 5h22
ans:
1h46
